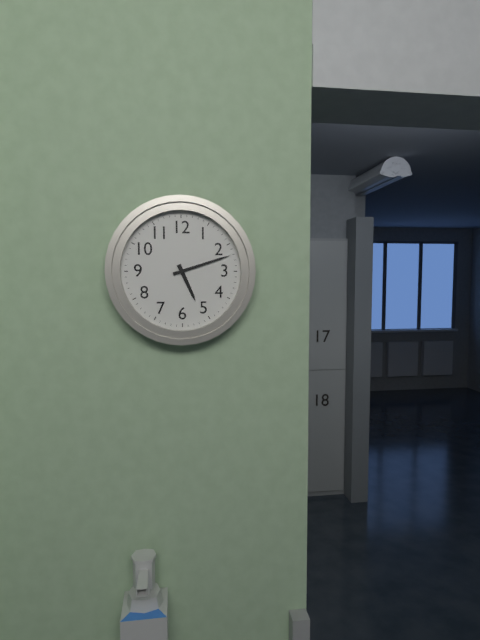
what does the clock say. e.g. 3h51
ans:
5h12
